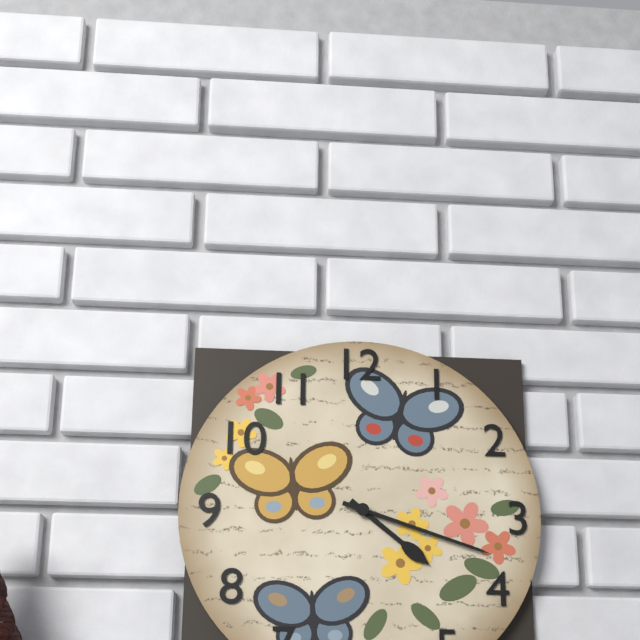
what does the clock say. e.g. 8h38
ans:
4h18
